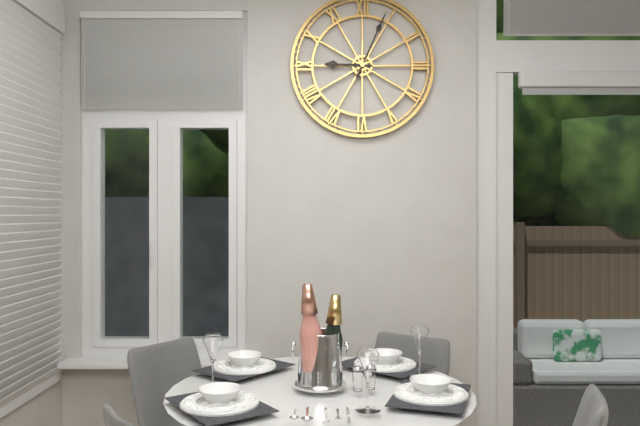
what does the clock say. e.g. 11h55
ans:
9h04
